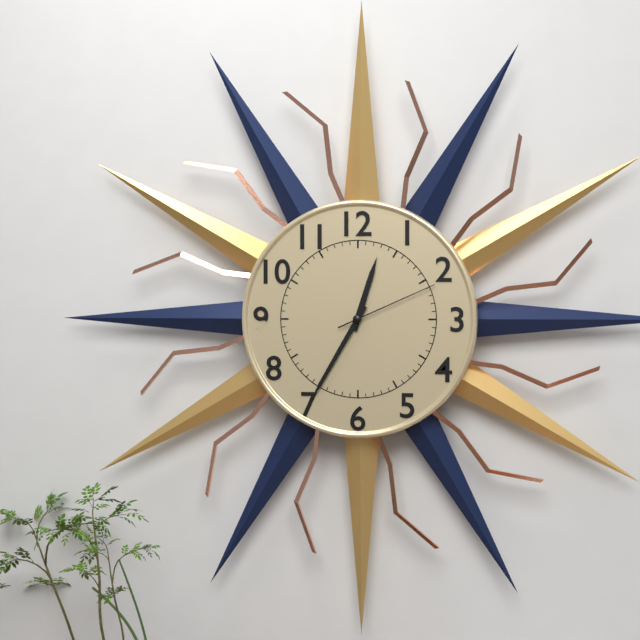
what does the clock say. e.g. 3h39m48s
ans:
12h35m11s
